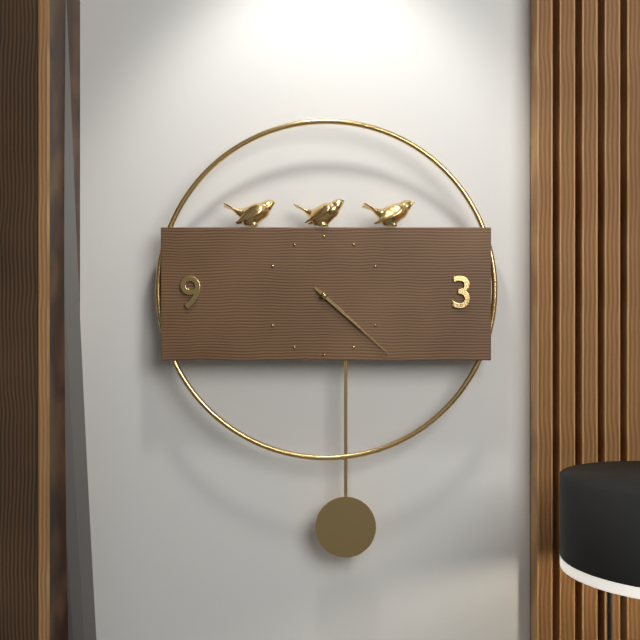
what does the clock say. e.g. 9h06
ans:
4h22
